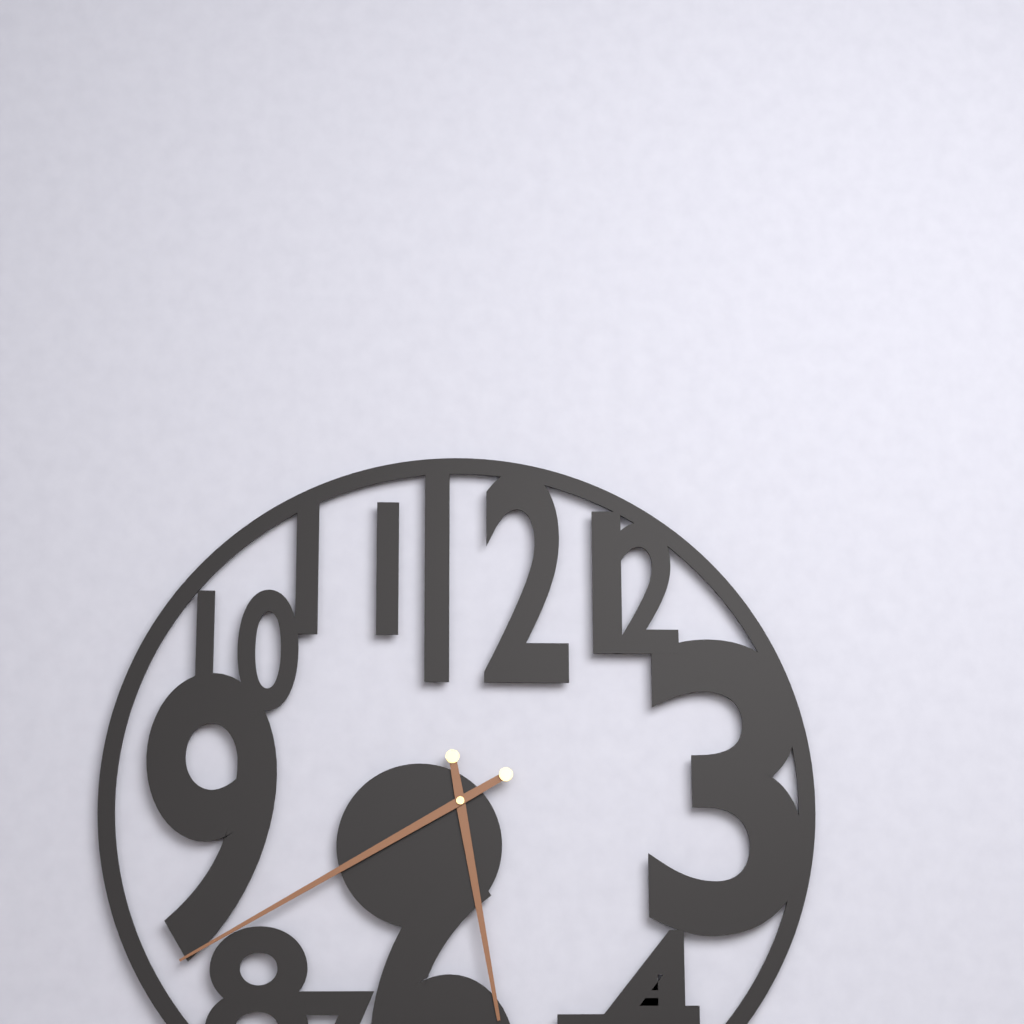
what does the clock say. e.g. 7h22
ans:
5h40
